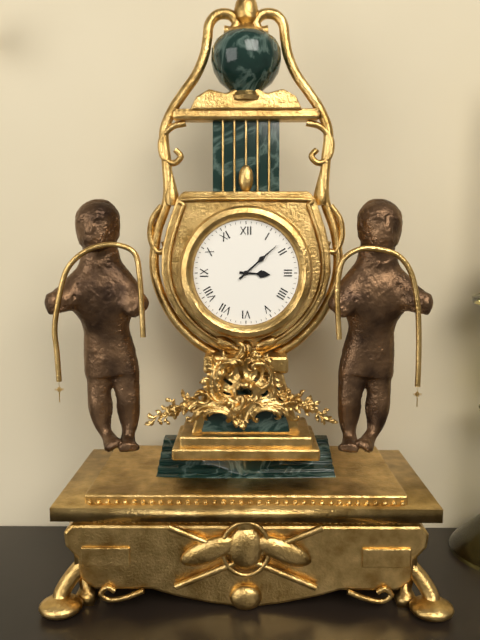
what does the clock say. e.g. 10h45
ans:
3h08
